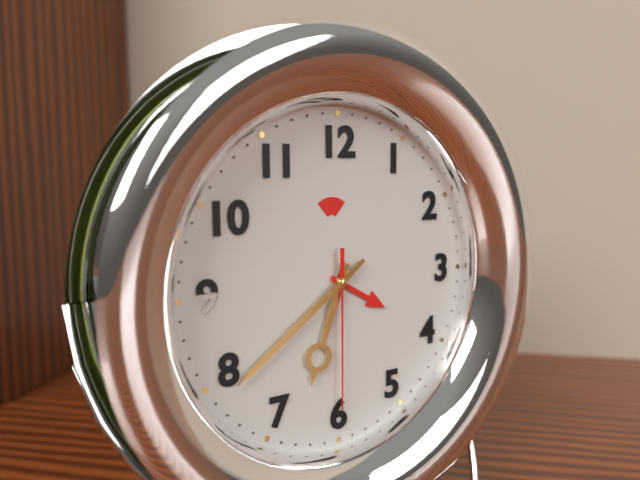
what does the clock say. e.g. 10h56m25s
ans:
6h39m30s
